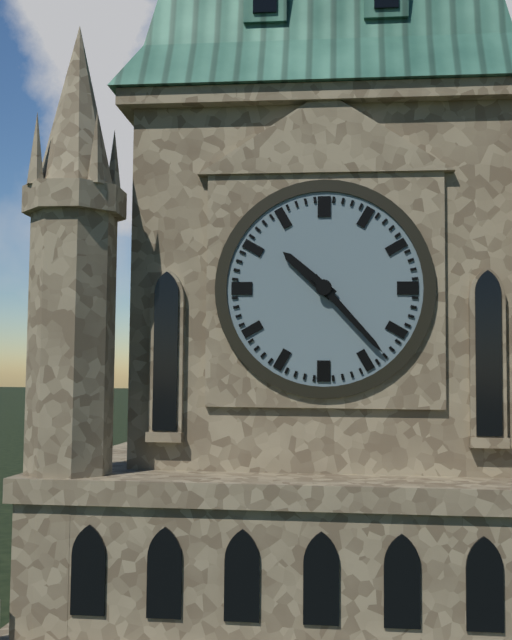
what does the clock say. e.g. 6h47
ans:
10h23
